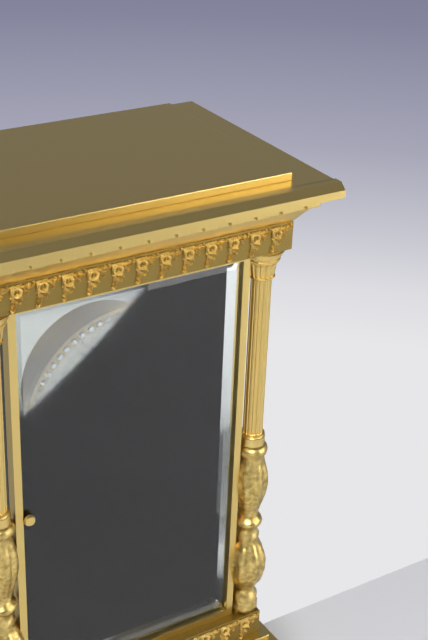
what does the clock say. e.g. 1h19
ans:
4h07
